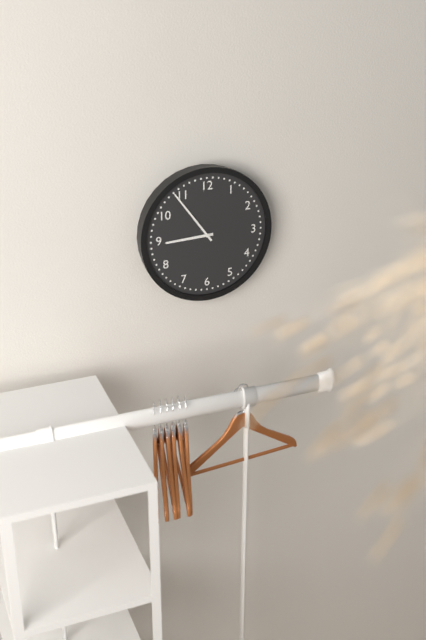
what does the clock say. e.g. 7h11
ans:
8h54
